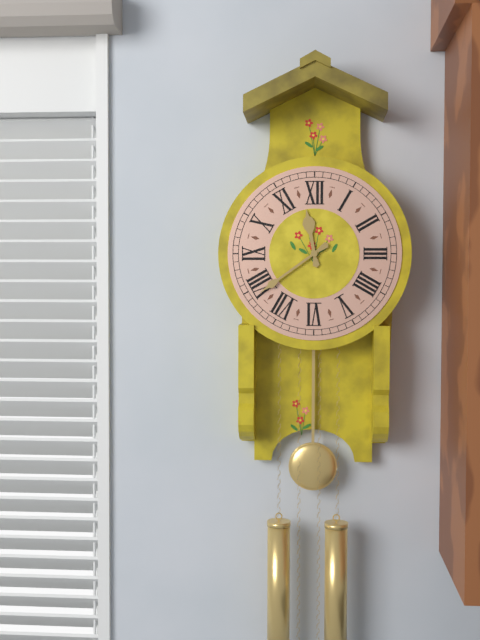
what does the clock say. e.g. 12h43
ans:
11h39
